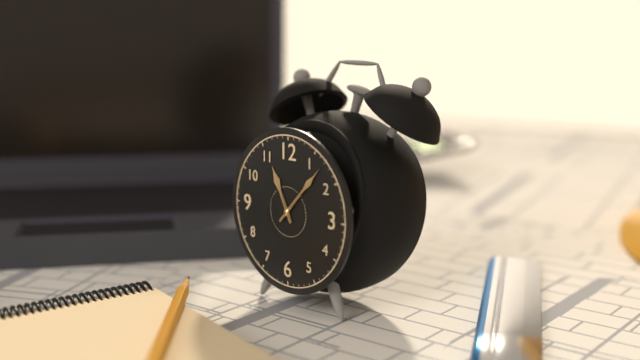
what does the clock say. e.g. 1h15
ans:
11h07
